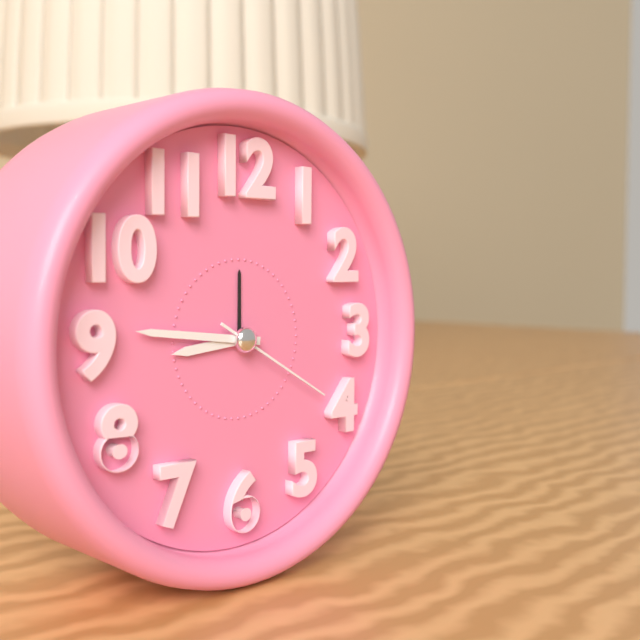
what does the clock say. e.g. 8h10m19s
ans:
8h46m20s
